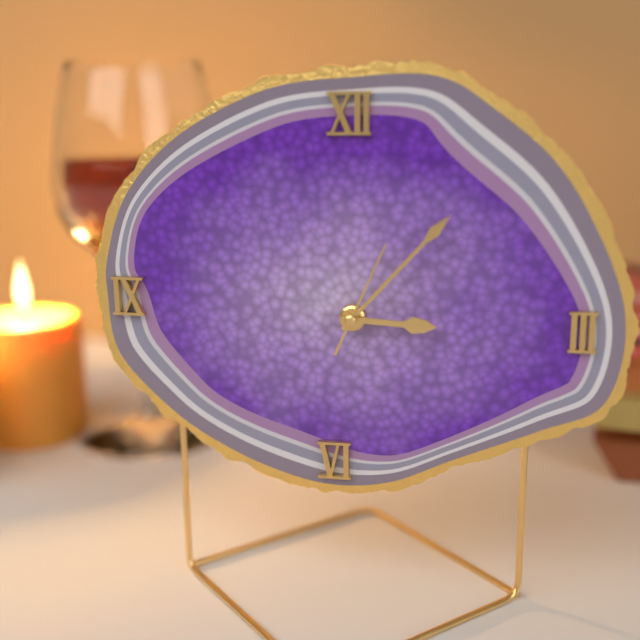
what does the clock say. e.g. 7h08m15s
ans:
3h07m04s
